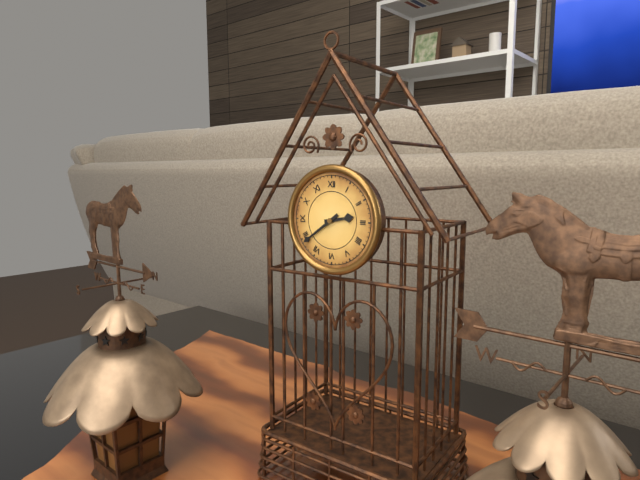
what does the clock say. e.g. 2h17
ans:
2h39
